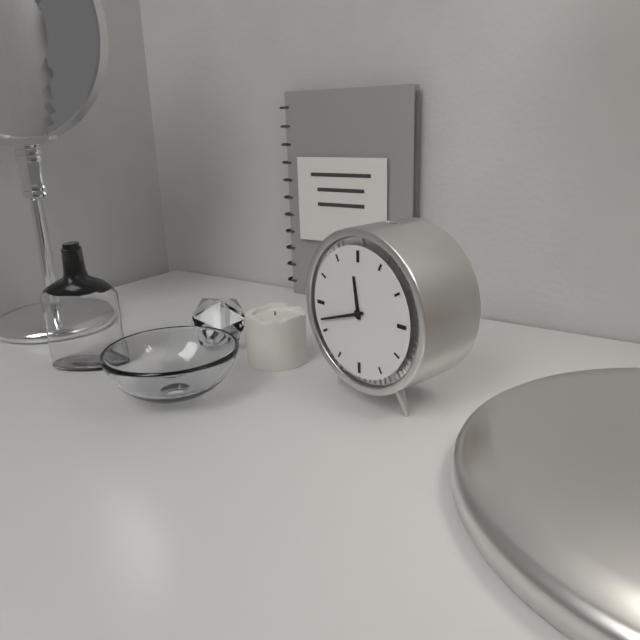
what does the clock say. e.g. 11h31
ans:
11h42
